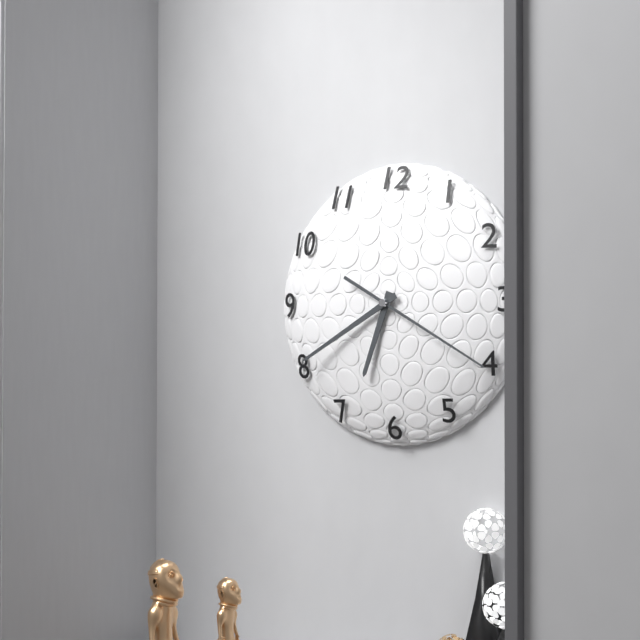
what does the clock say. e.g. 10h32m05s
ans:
6h40m20s
